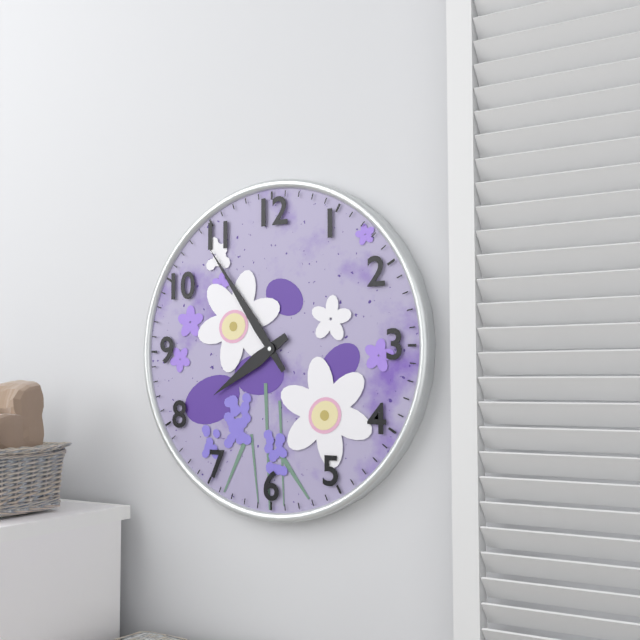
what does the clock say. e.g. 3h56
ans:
7h54
